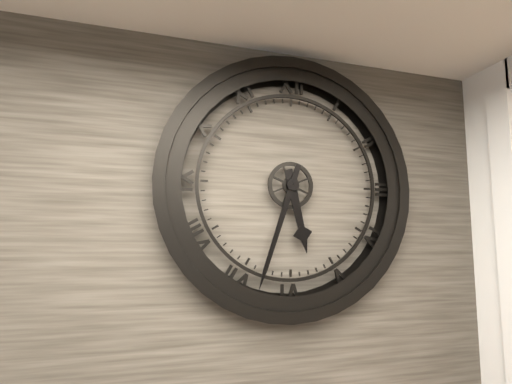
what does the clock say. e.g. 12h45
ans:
5h33
